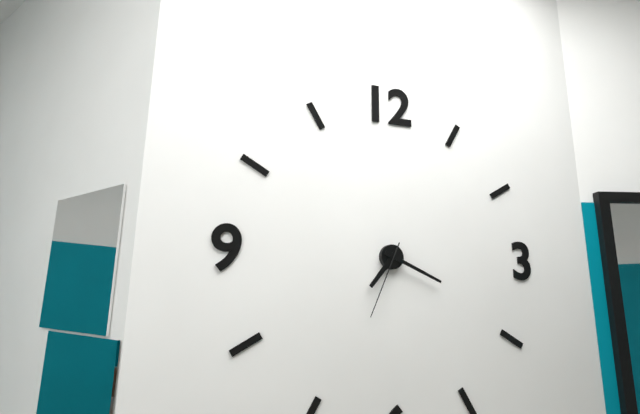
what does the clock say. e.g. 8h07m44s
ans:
7h19m34s
